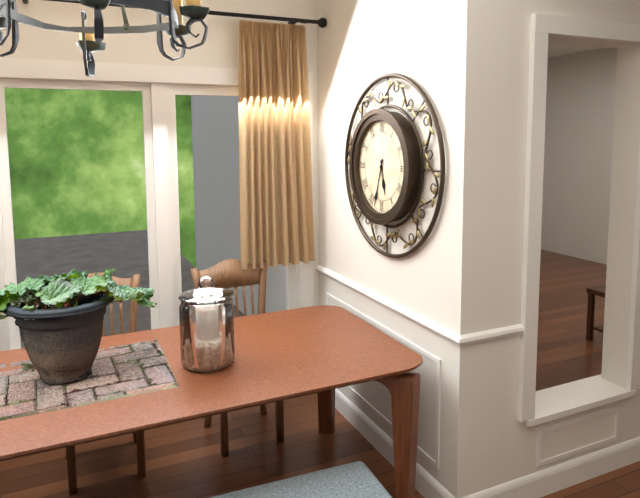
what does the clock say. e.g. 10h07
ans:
5h33
